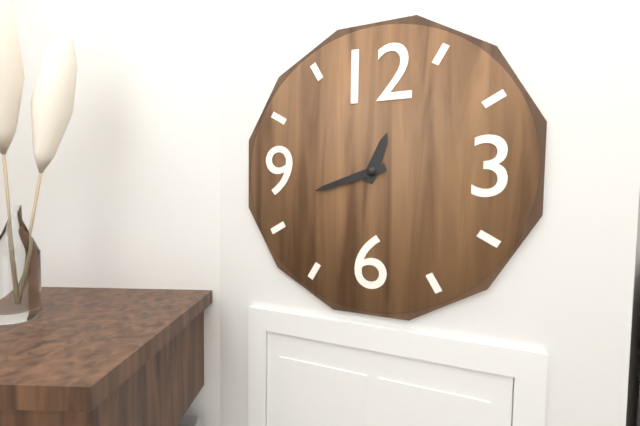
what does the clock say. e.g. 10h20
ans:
12h42
